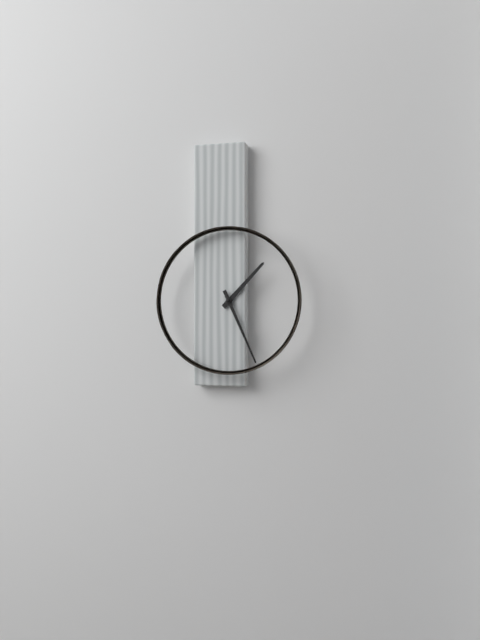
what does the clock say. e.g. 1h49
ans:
1h26
